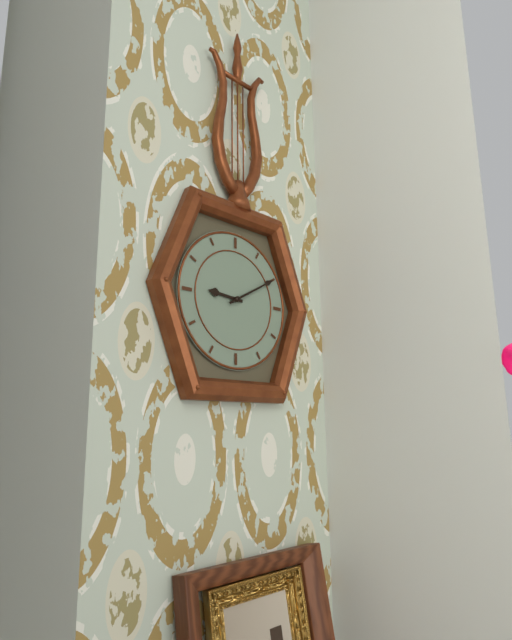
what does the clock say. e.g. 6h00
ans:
9h10
